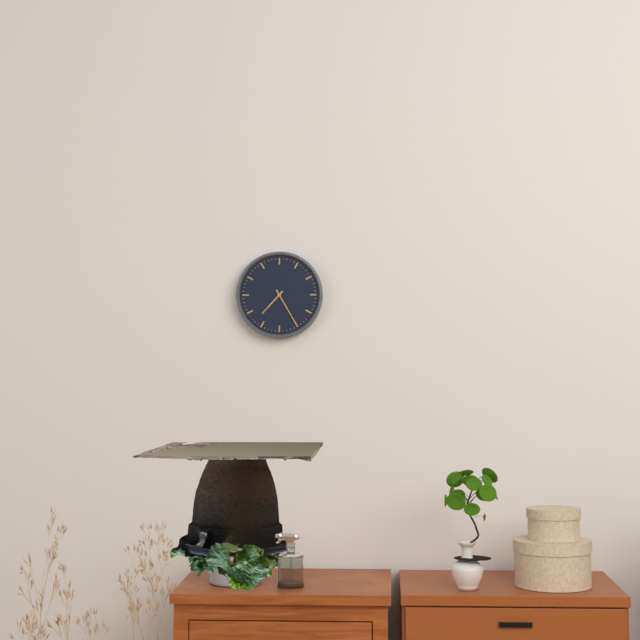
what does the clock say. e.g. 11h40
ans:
7h25
